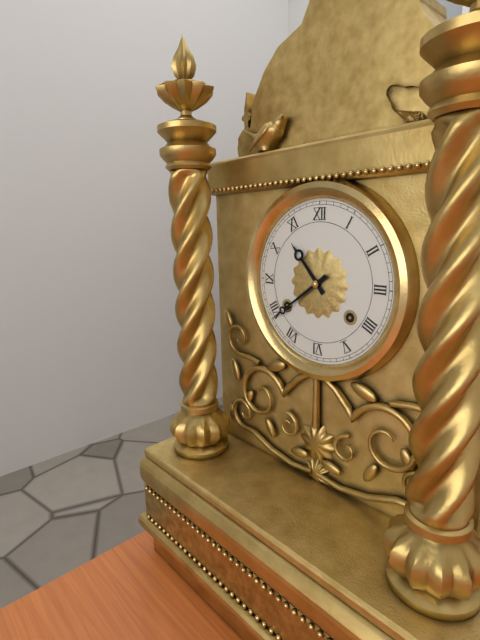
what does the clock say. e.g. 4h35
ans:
10h39
